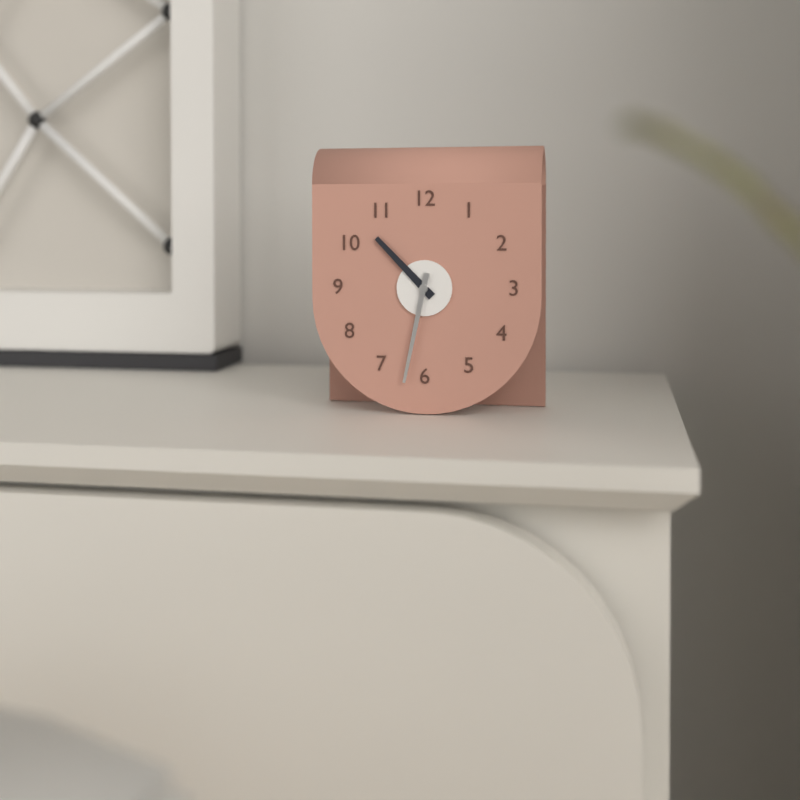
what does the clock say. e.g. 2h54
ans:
10h32
